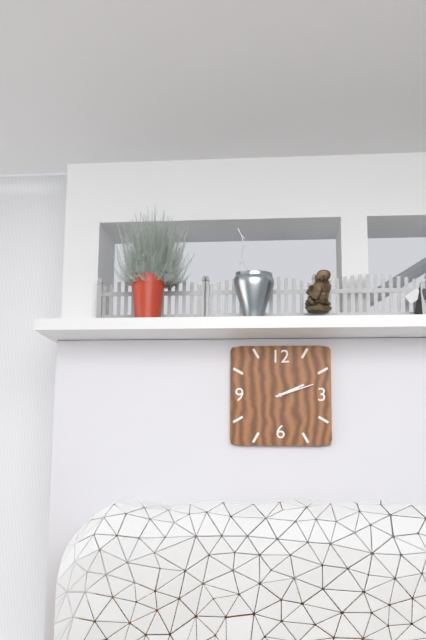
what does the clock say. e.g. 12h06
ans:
2h12
